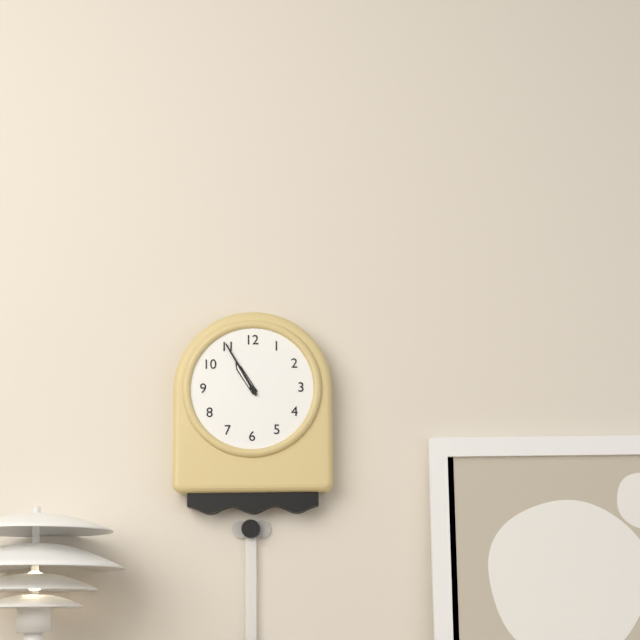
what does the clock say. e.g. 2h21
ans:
10h55
